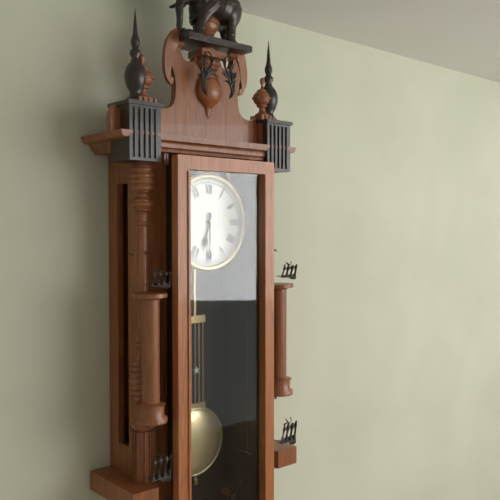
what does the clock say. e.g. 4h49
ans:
6h30
